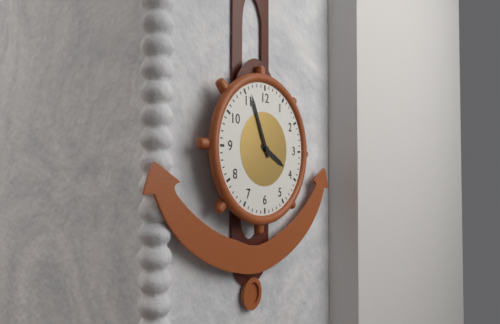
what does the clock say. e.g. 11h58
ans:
3h56
